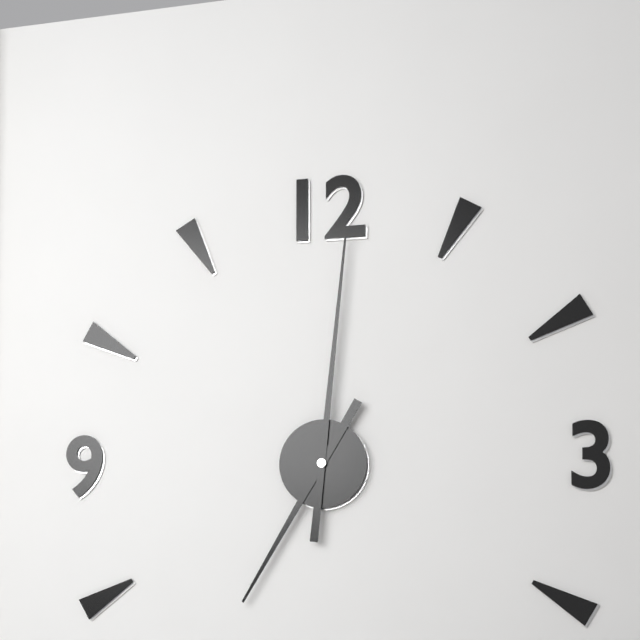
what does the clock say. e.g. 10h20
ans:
7h01
